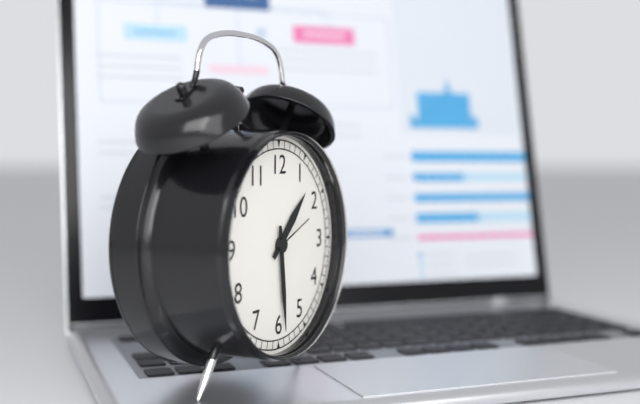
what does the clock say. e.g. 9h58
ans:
1h29
